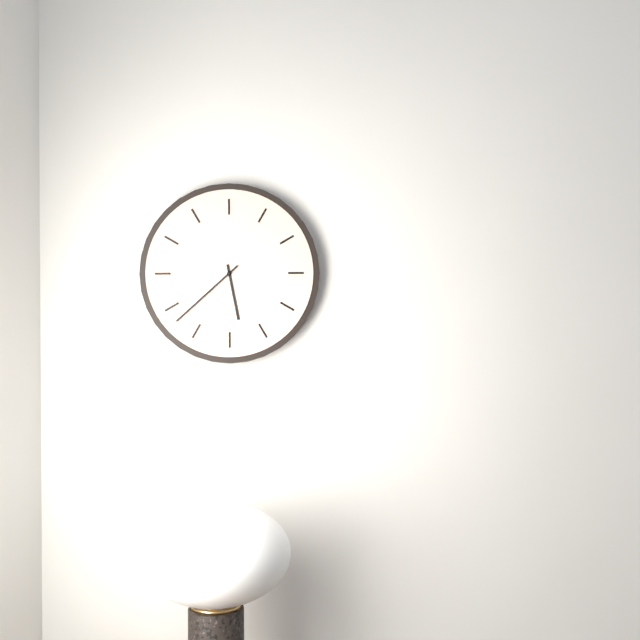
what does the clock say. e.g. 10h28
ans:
5h38
